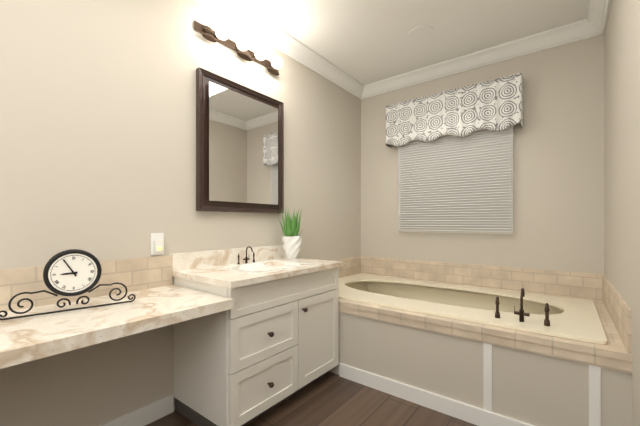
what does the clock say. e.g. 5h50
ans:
8h55
